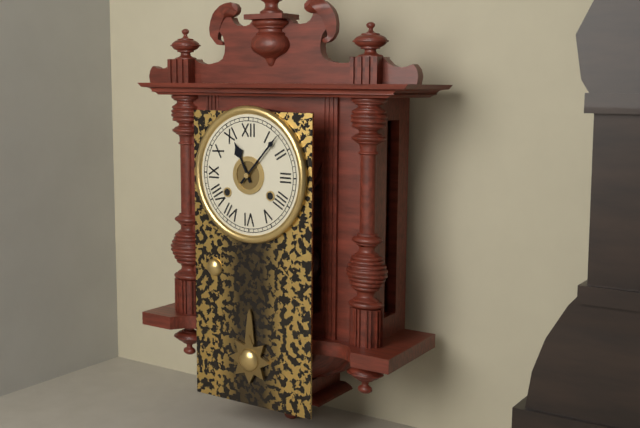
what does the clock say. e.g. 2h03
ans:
11h07
